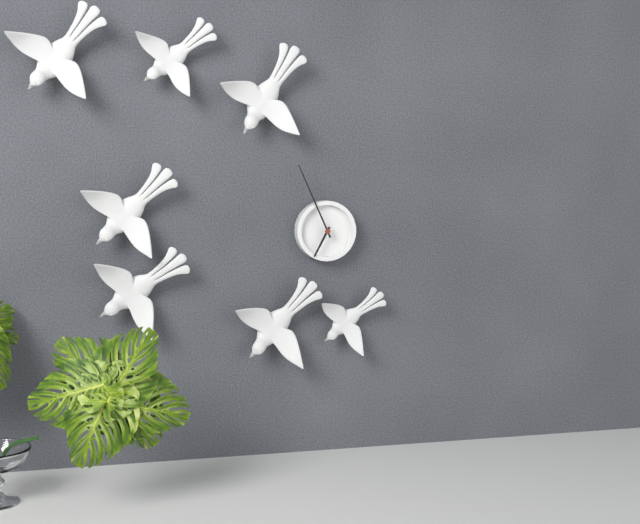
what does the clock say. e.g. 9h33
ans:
6h56
